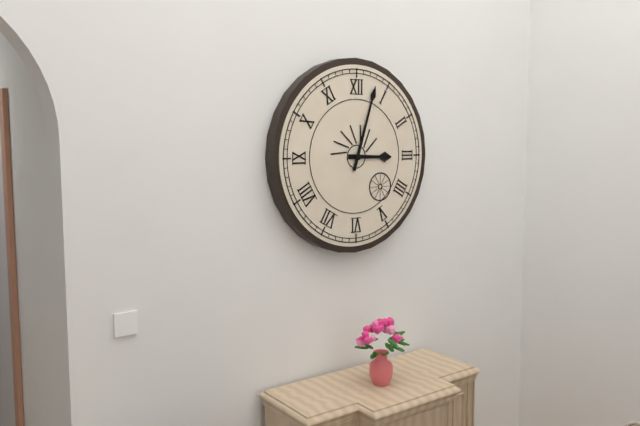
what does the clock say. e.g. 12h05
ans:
3h03
